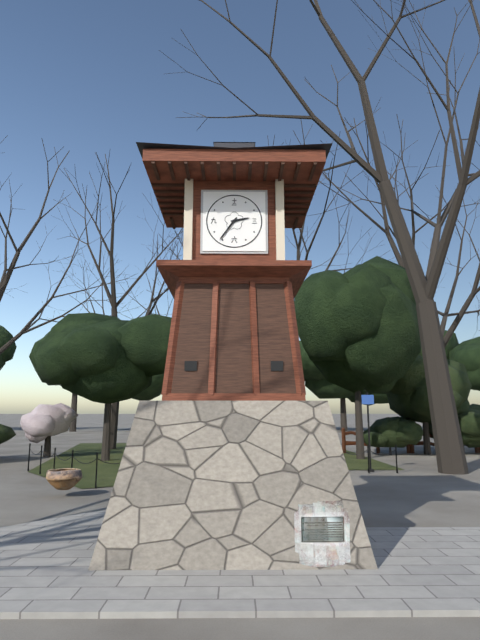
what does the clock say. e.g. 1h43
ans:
2h36
